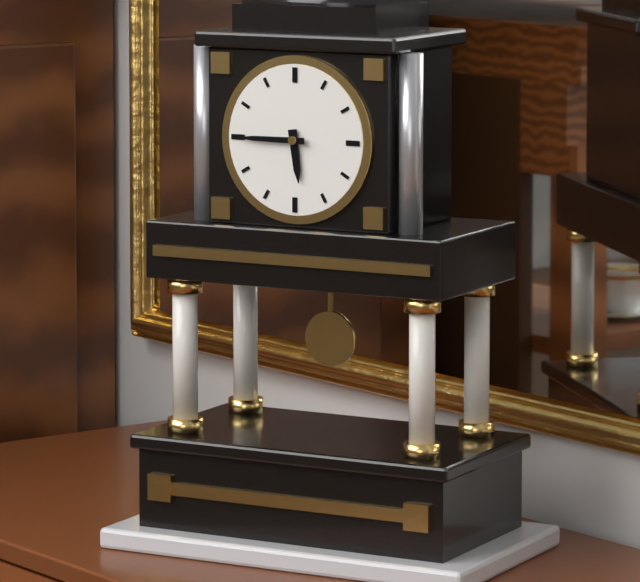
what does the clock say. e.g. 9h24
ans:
5h45
